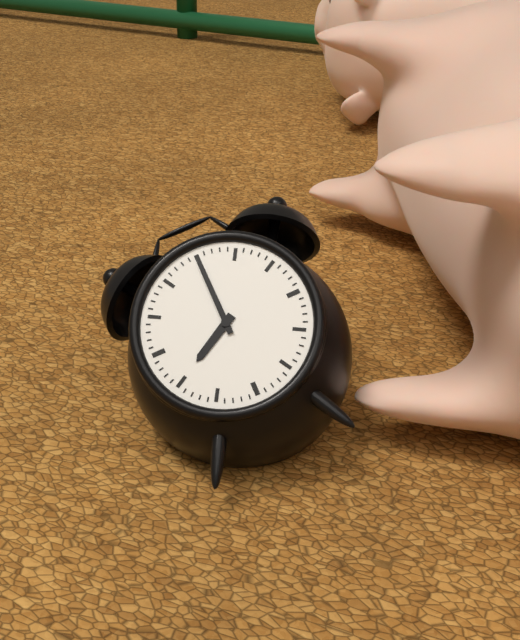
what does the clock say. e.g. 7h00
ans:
8h00
